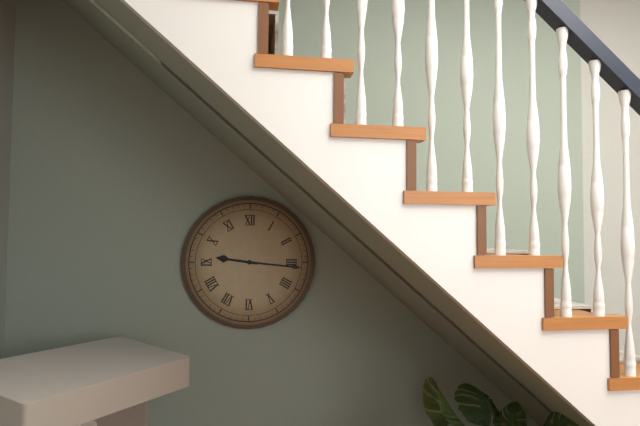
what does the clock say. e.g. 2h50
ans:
9h16
